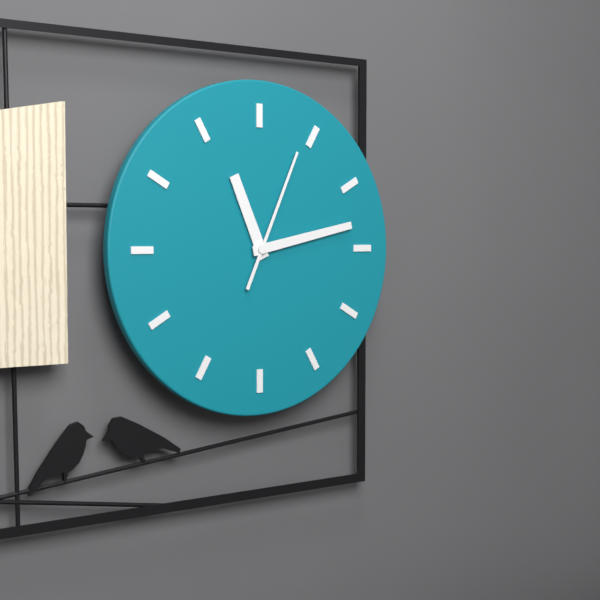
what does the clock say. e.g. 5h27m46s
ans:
11h13m04s
